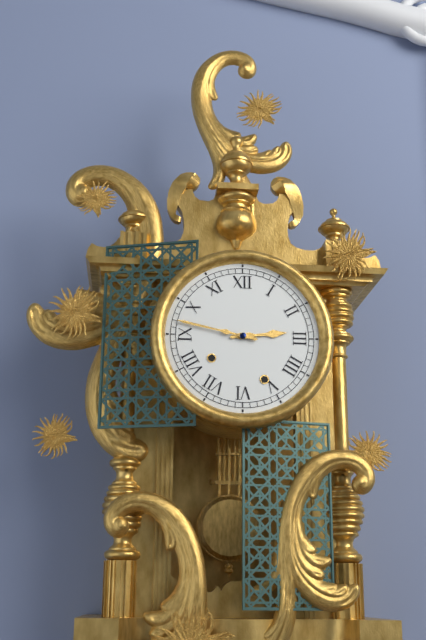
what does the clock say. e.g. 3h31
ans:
2h47
